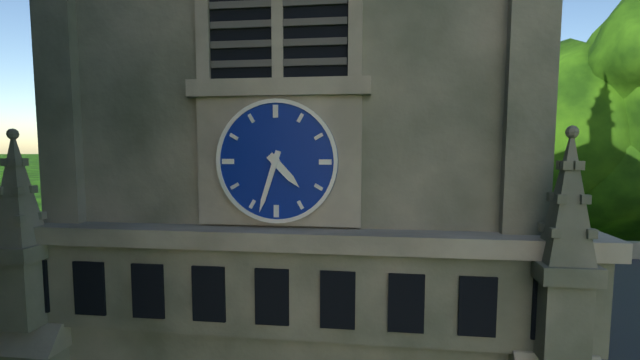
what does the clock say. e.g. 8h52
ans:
4h33
